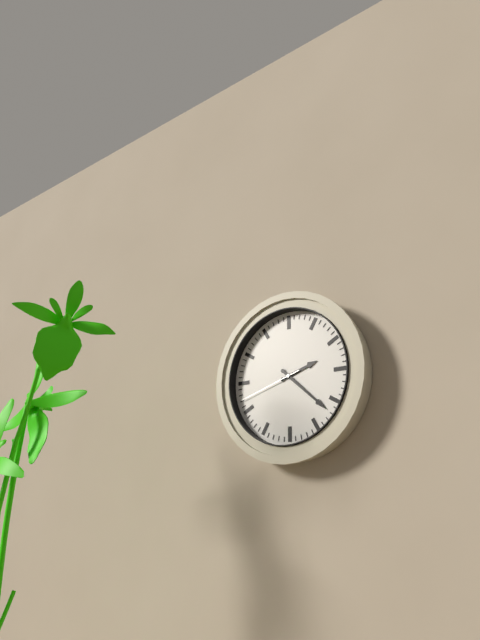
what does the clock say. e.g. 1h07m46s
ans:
2h22m42s
